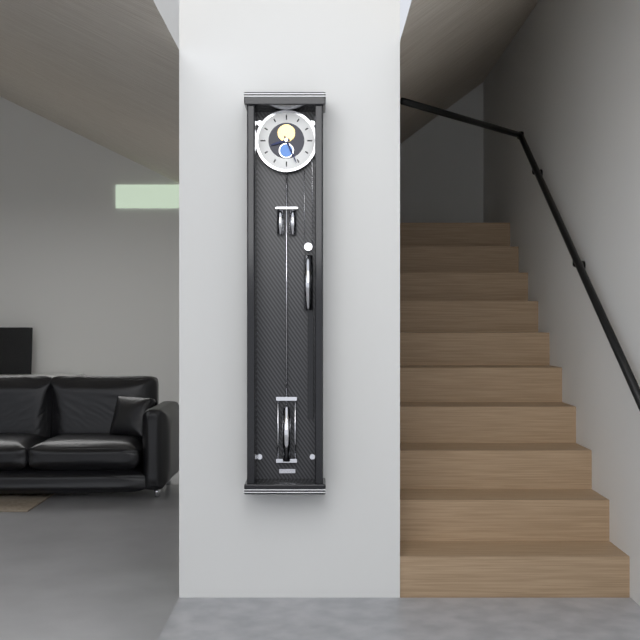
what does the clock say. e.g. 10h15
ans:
8h26
